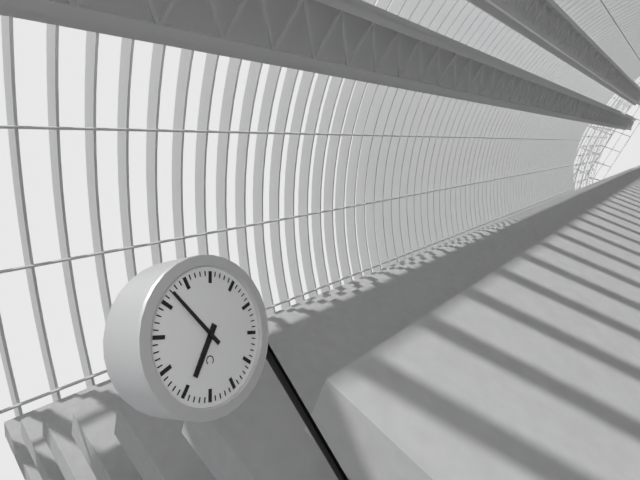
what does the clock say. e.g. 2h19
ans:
6h52
